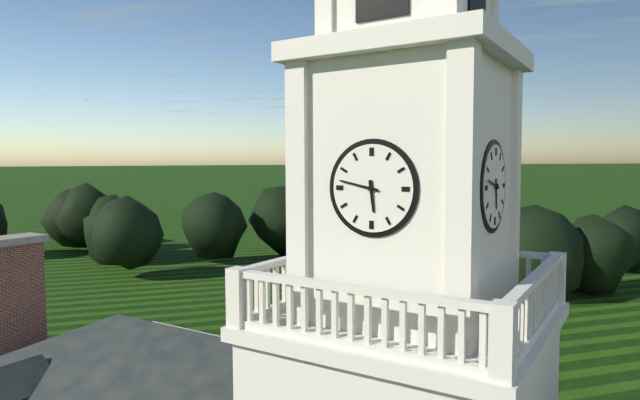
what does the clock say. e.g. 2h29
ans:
5h47
